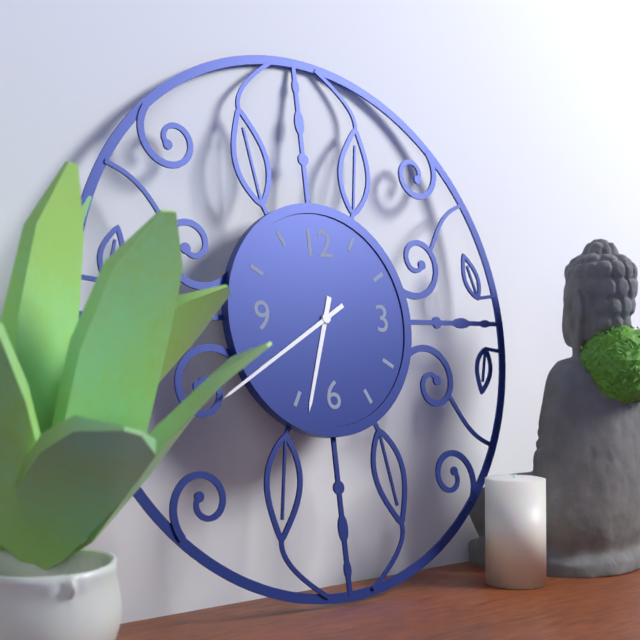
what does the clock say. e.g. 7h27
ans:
6h40
